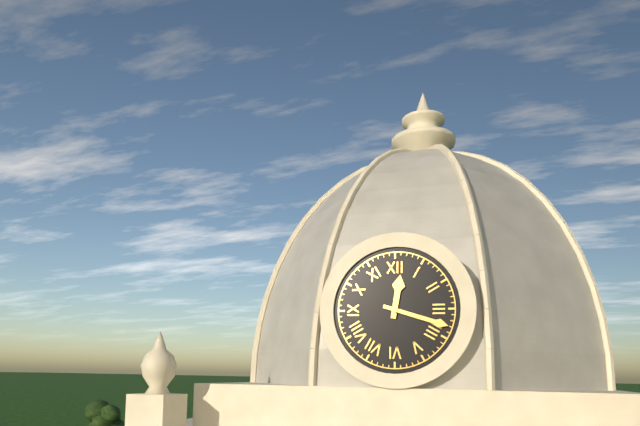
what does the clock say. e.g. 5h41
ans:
12h18
